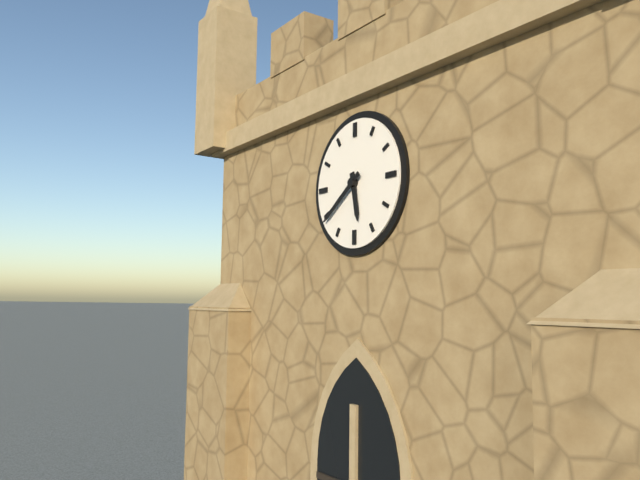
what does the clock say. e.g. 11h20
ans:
5h39
